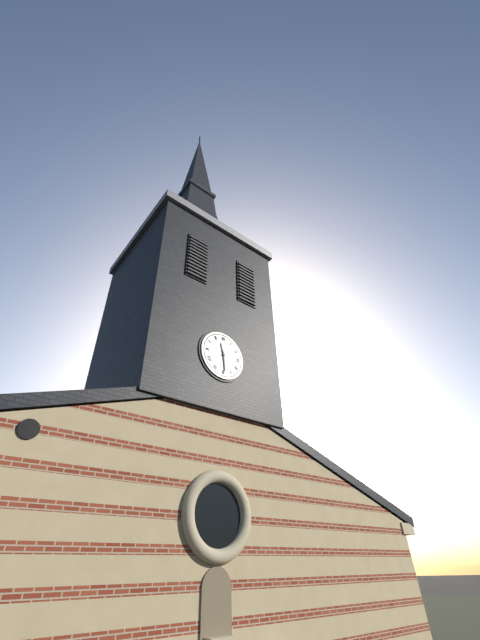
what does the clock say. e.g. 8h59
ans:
11h29
